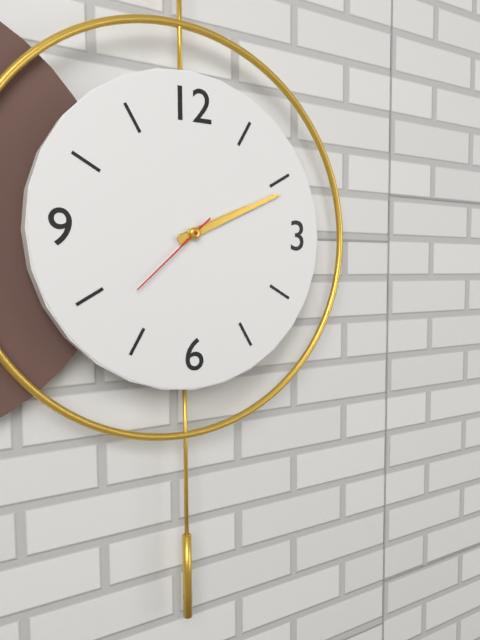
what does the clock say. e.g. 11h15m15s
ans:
2h11m38s
